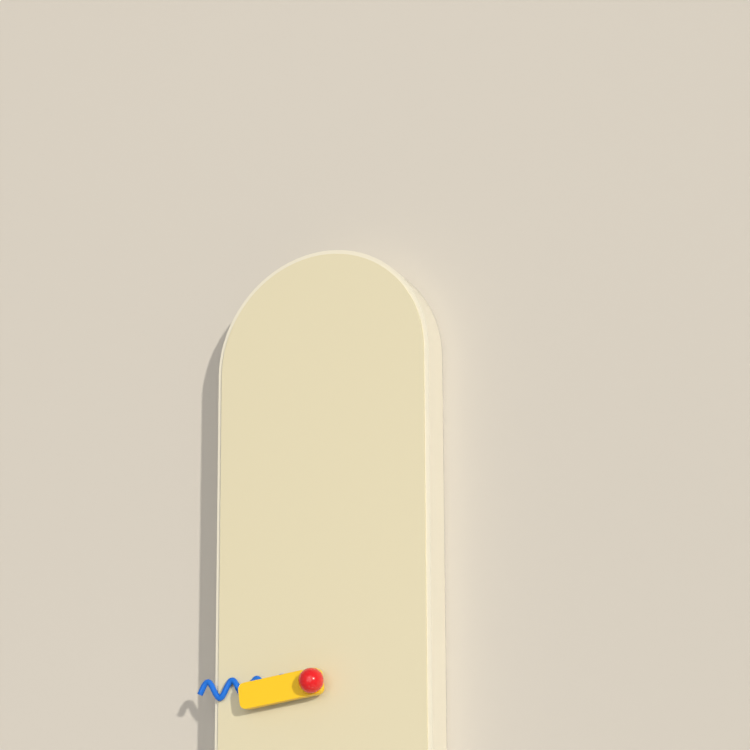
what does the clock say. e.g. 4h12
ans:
8h45
